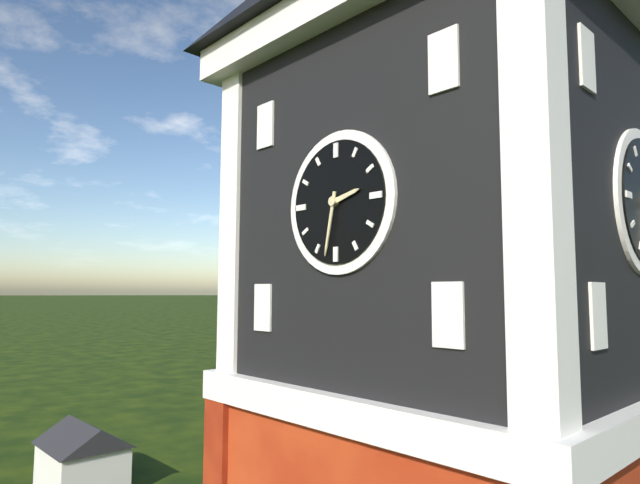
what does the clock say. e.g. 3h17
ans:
2h32
